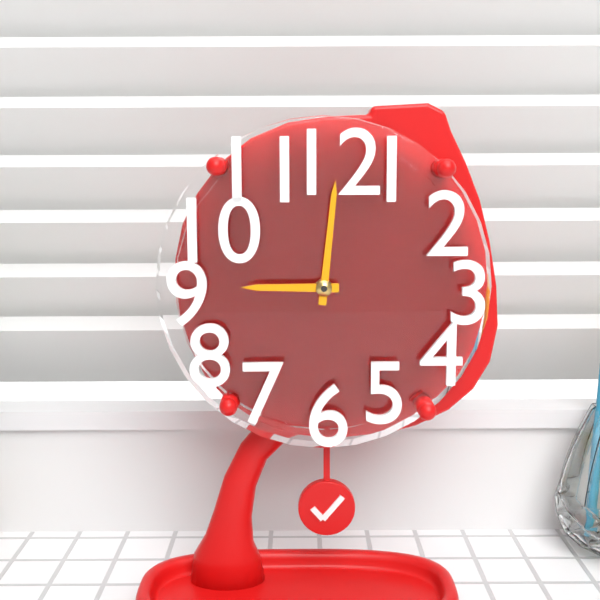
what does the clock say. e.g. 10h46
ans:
9h01
